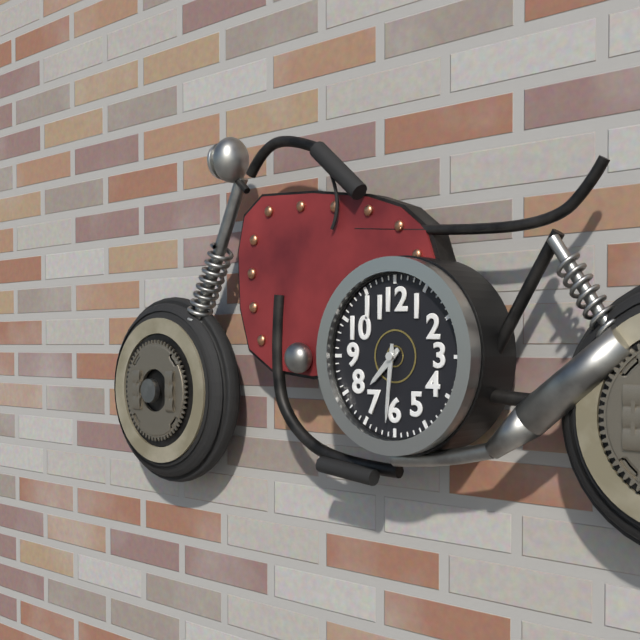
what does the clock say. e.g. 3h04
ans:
7h31
